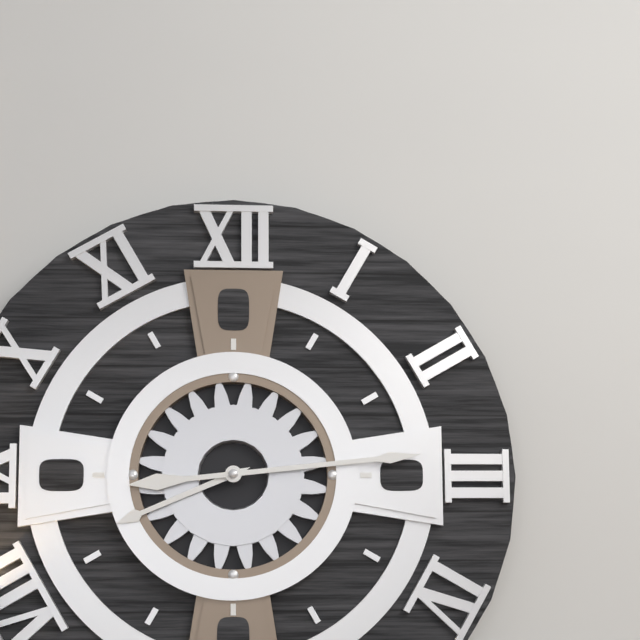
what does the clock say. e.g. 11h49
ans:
8h14
